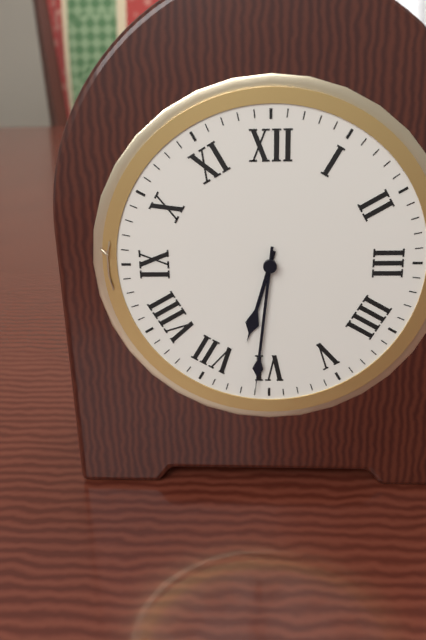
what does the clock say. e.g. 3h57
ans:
6h31
